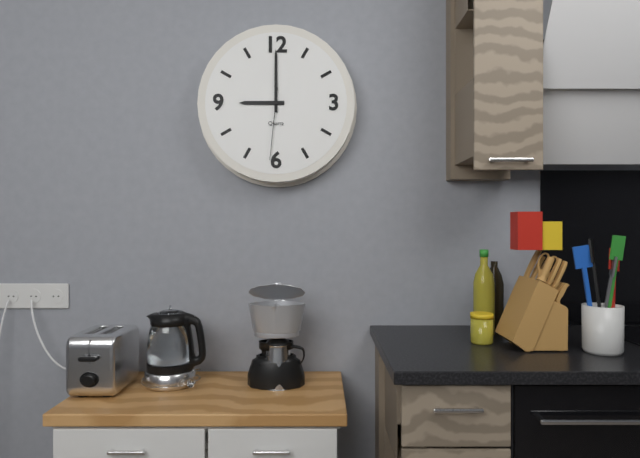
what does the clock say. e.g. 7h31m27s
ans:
9h00m31s
